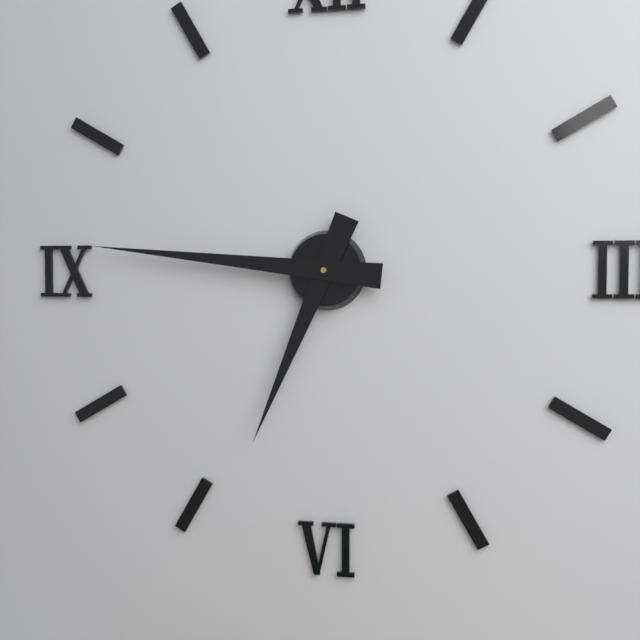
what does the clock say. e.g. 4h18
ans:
6h46
